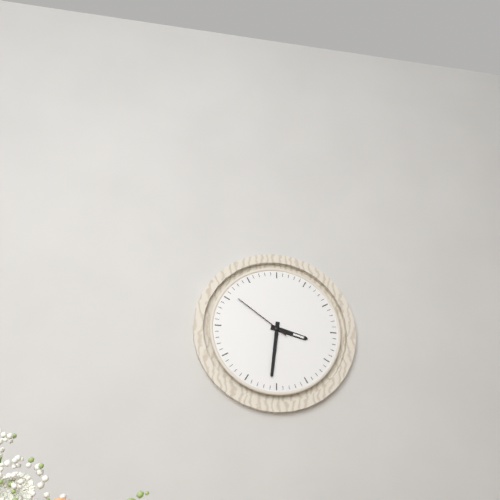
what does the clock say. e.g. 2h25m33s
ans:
3h31m51s
